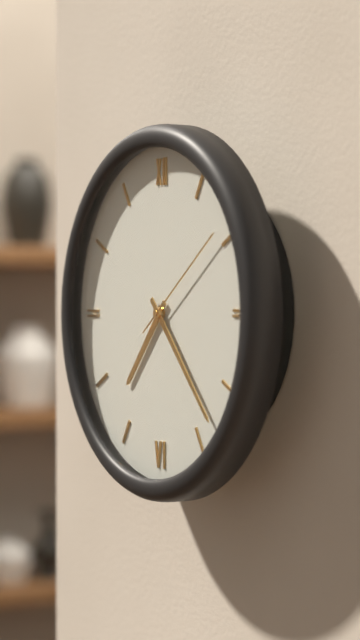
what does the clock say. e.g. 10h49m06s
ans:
7h23m09s
